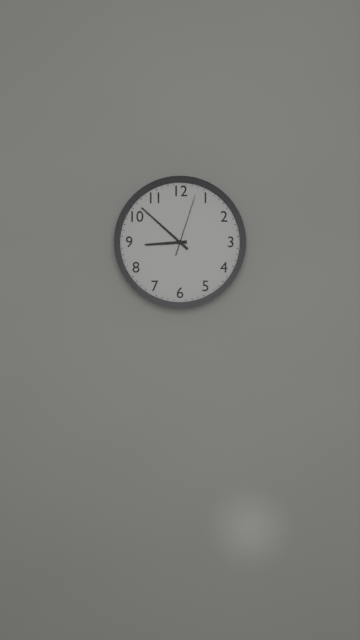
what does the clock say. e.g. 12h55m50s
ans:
8h52m03s
